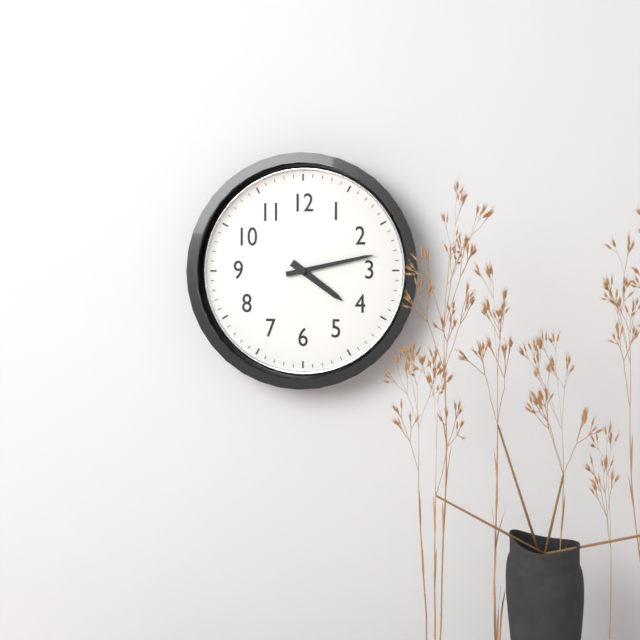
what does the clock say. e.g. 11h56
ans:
4h13
